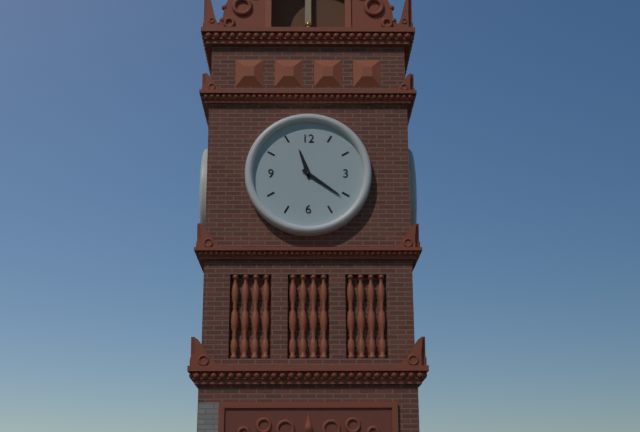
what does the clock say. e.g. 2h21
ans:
11h21
